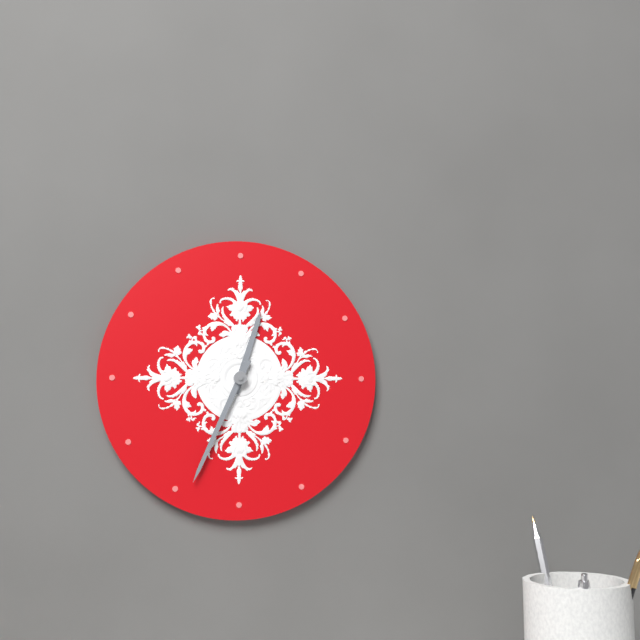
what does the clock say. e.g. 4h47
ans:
12h34
